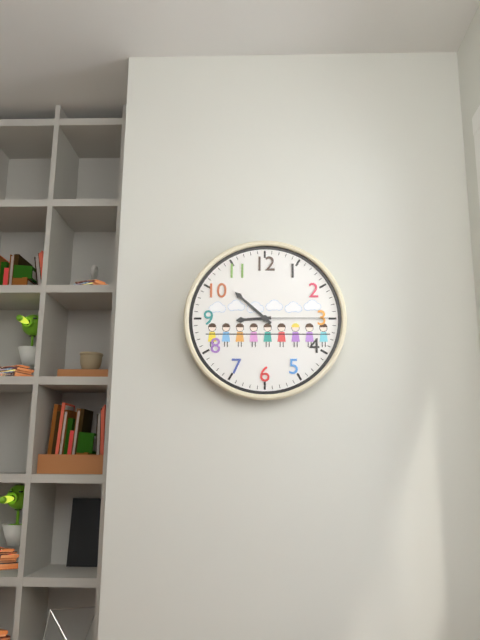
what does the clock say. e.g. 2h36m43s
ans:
8h52m15s
